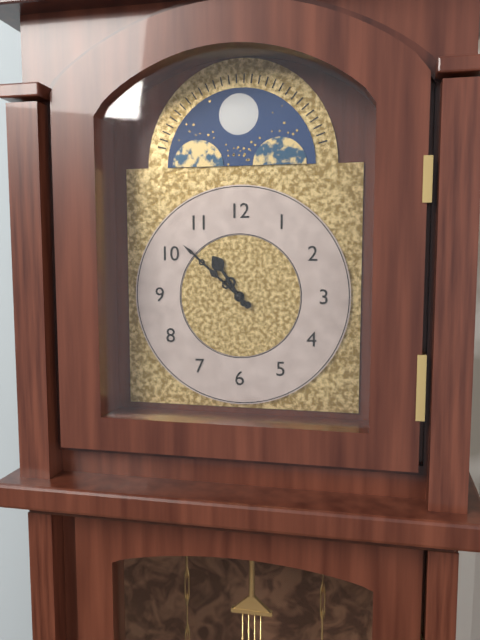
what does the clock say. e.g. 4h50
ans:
10h52
